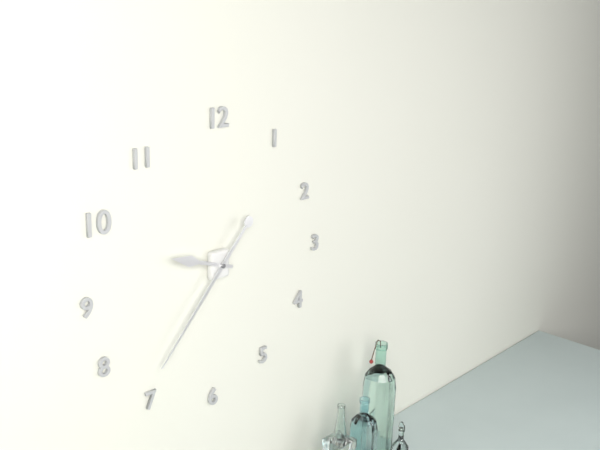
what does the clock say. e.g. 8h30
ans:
9h37
